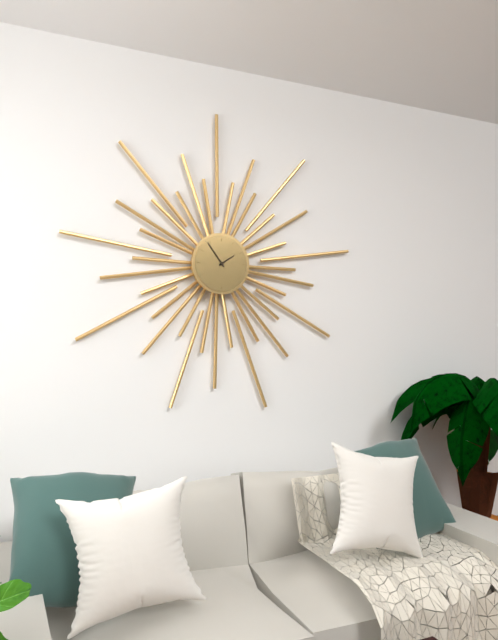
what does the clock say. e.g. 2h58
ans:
1h54
